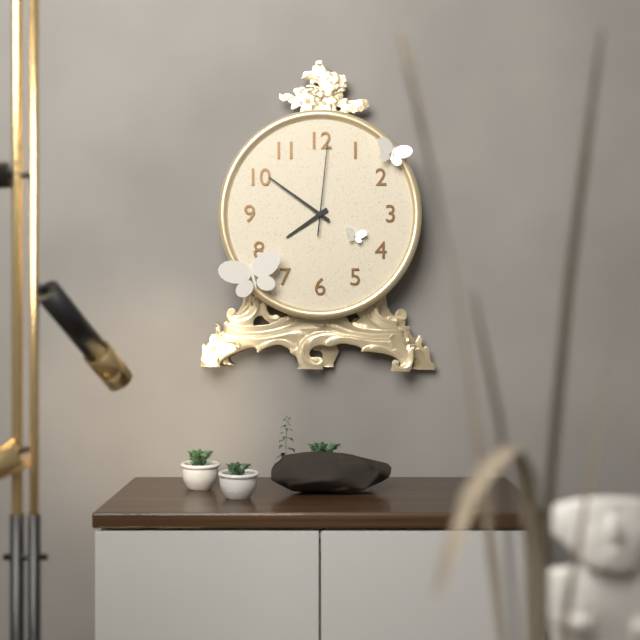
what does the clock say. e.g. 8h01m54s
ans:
7h51m01s
